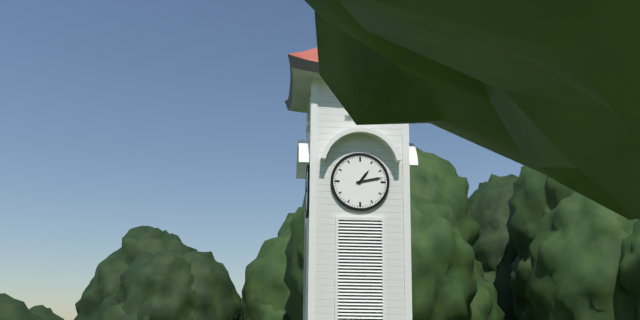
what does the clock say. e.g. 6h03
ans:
1h13
